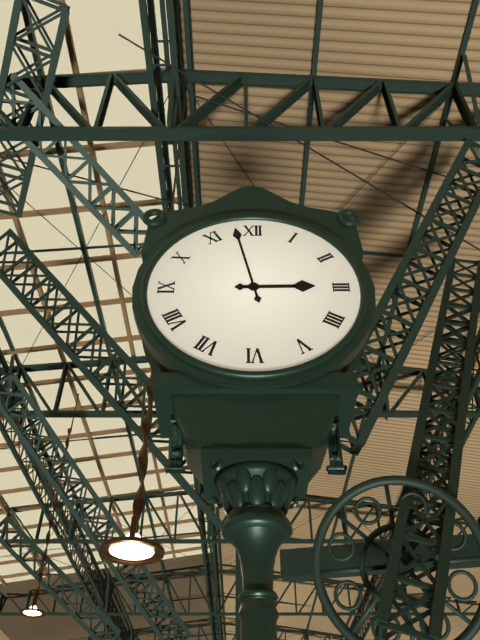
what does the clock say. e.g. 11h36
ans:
2h58
